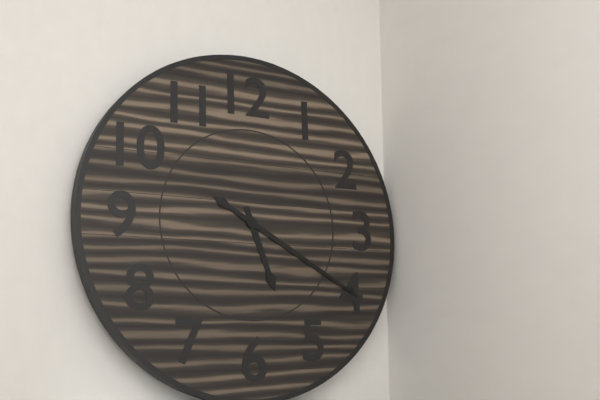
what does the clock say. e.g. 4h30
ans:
5h20
